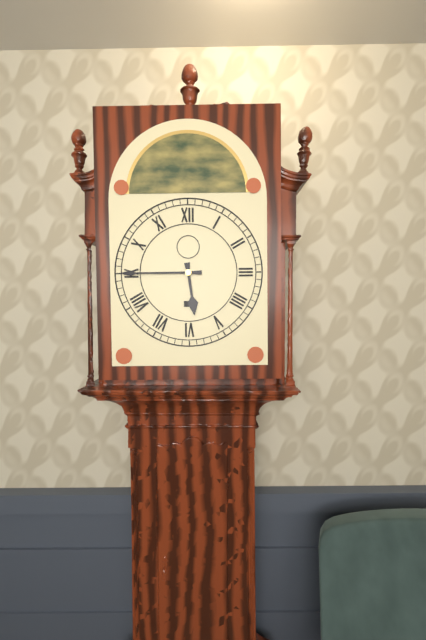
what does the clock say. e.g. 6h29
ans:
5h45
